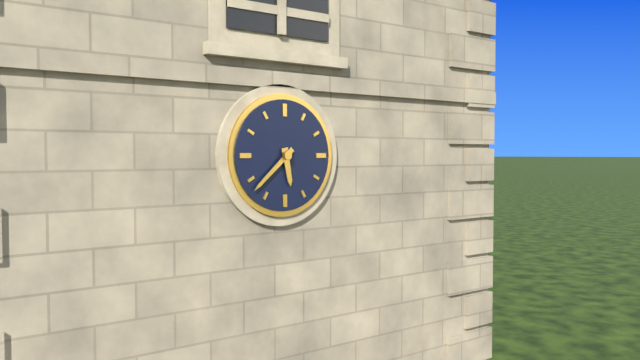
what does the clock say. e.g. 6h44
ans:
5h38
